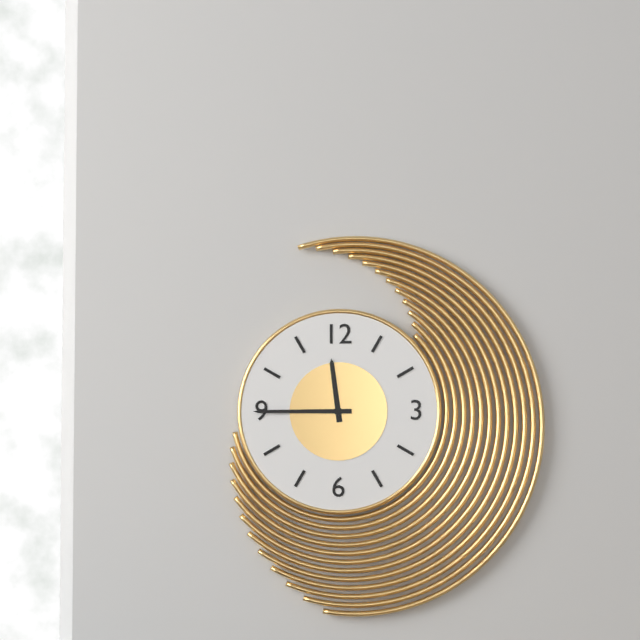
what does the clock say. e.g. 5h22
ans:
11h45
